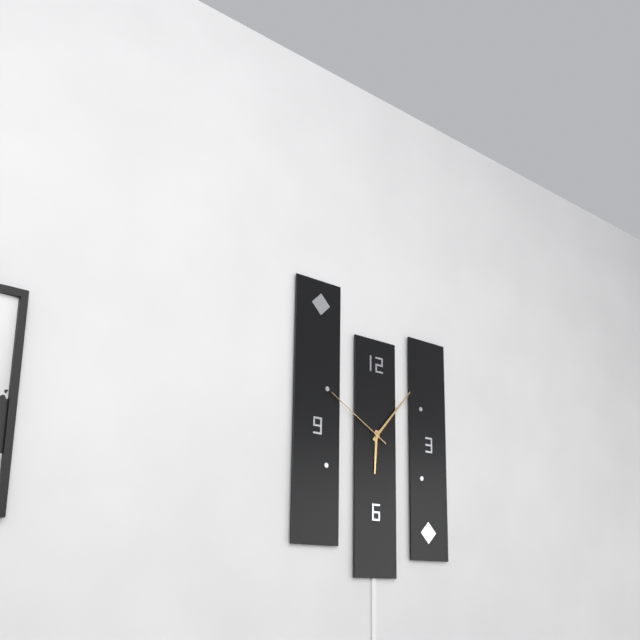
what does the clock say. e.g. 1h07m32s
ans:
6h07m50s
